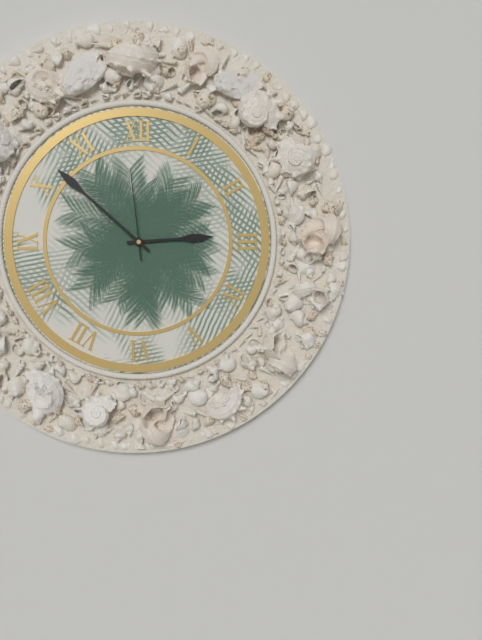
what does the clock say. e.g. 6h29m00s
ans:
2h52m59s
